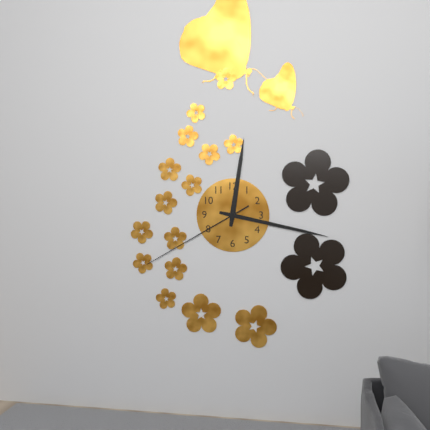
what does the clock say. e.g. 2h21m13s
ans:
12h17m40s
